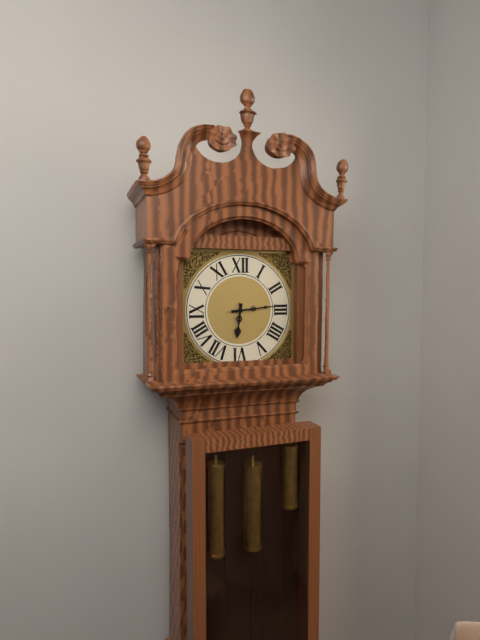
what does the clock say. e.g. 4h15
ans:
6h14
